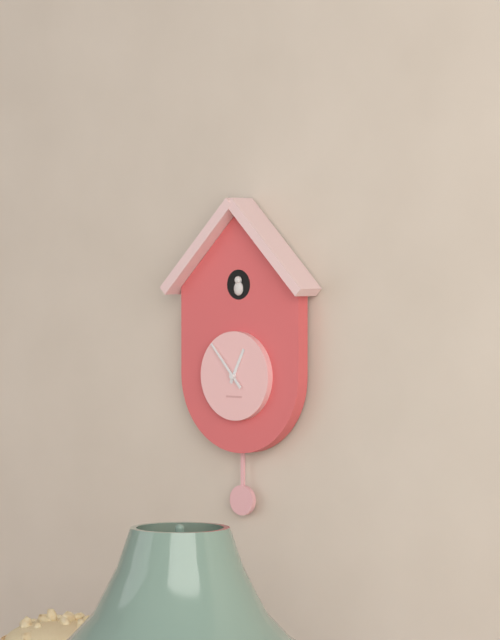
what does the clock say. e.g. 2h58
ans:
12h53
